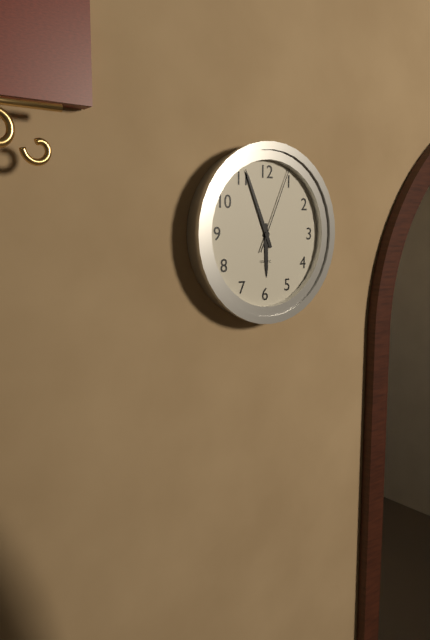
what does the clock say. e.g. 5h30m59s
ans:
5h56m04s
